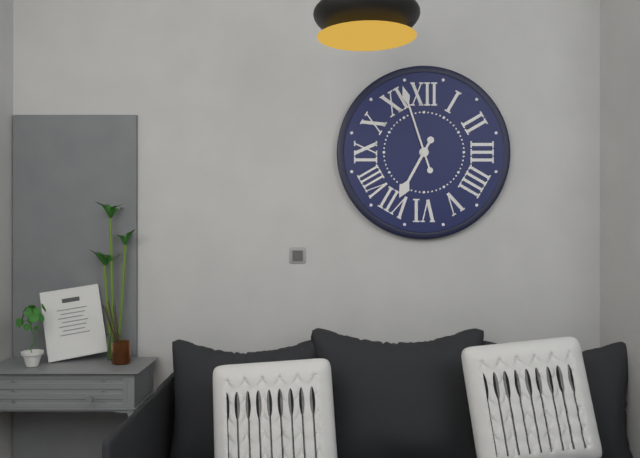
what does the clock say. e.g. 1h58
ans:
6h57
